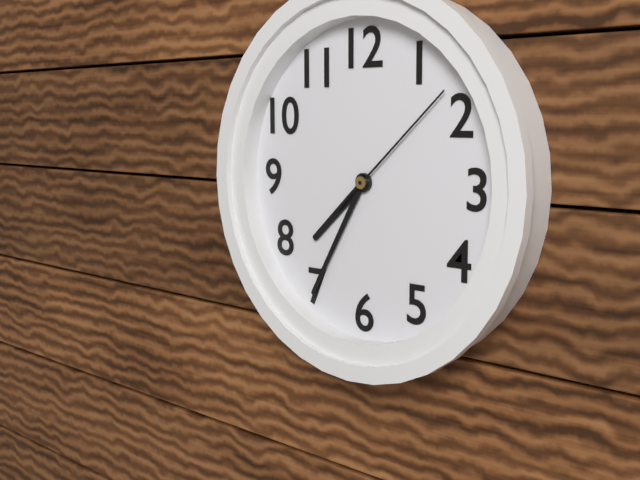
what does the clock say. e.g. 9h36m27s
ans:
7h35m08s
